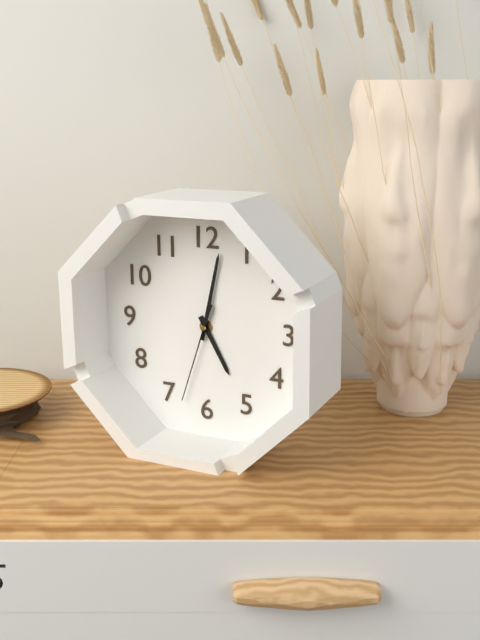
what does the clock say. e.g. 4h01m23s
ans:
5h02m33s
